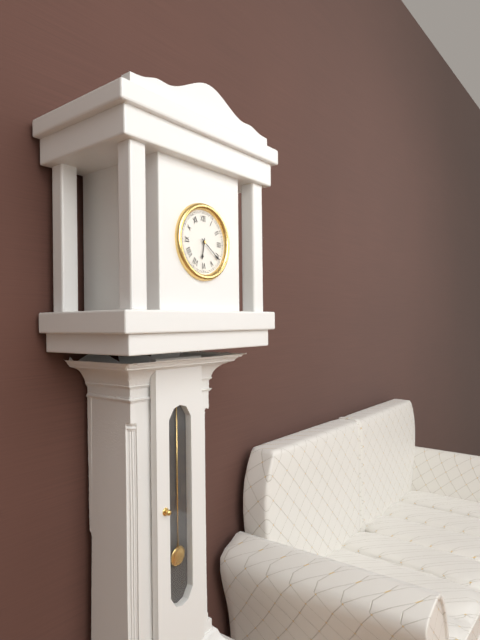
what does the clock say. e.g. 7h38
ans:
6h21
